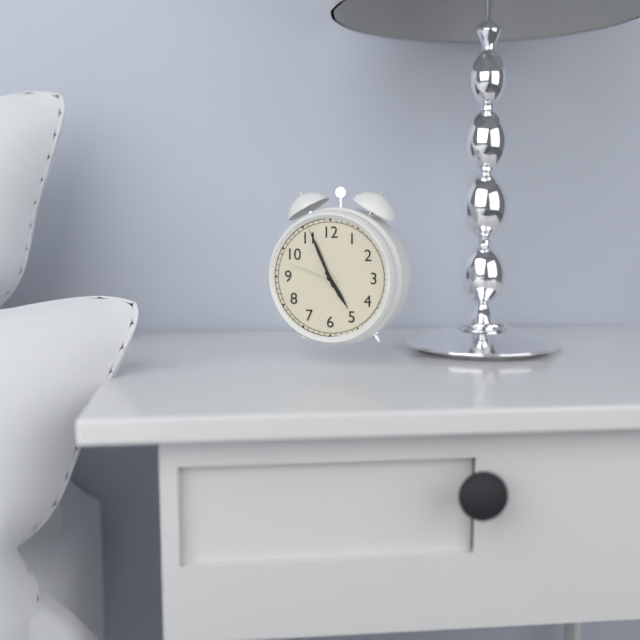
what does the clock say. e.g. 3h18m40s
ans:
4h56m48s
